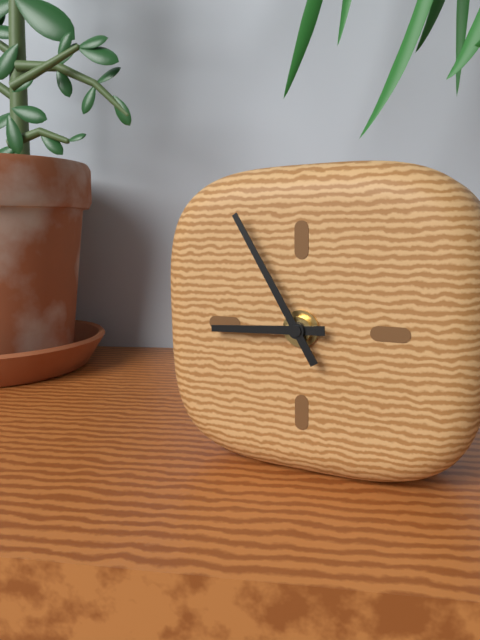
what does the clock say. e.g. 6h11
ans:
8h55
